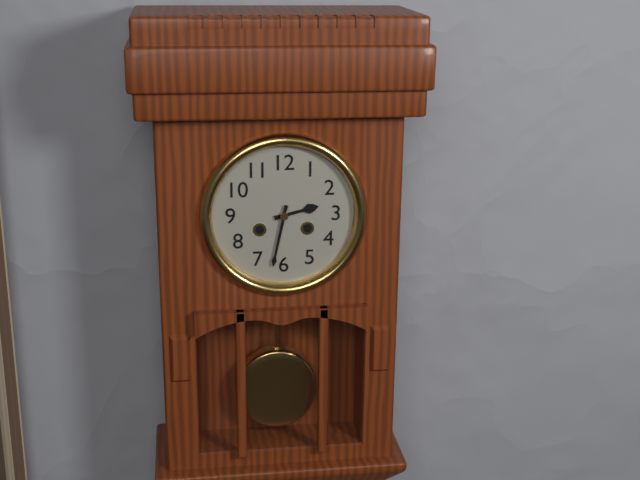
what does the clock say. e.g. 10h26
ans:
2h32
